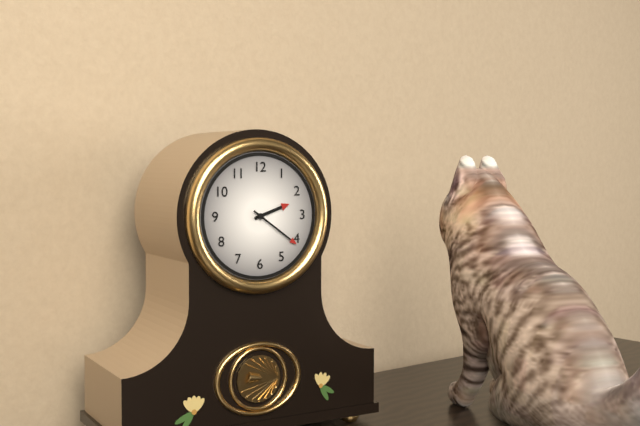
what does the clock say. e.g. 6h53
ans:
2h21
